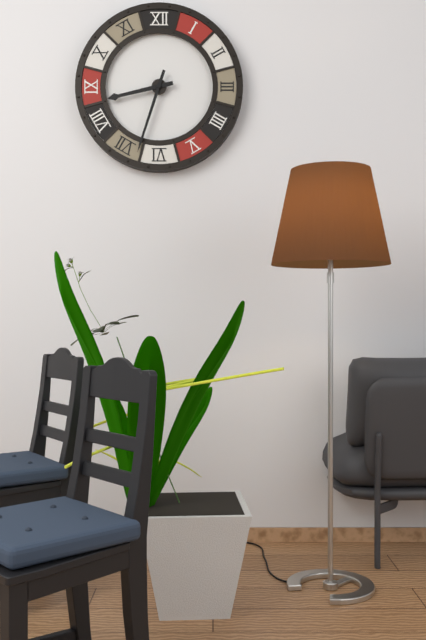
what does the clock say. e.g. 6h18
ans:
8h33
